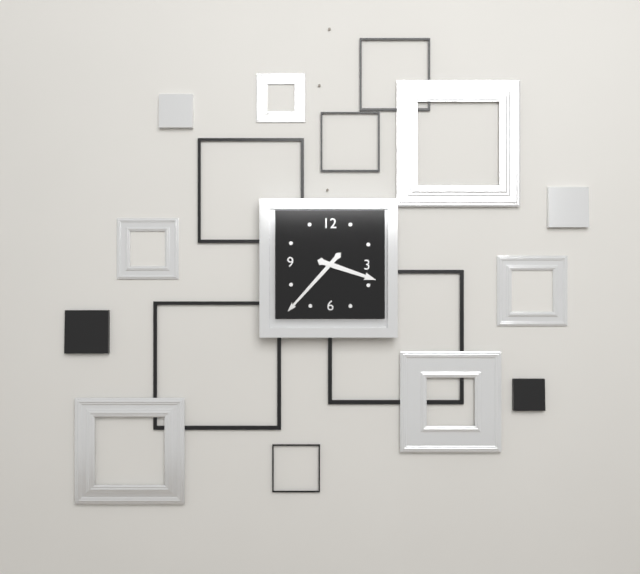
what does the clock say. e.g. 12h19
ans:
3h37
